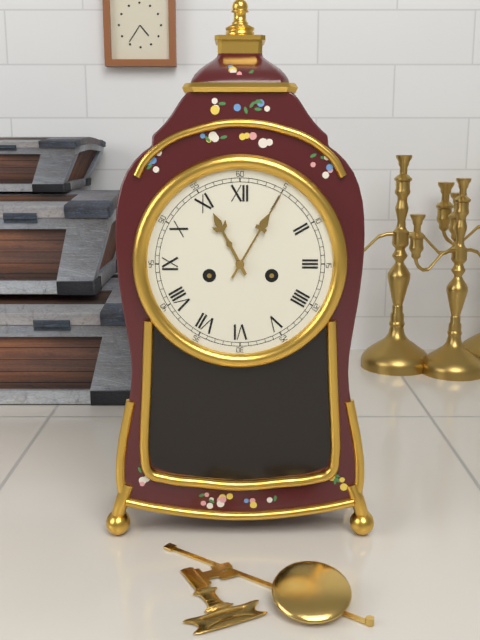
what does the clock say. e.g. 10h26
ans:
11h05
